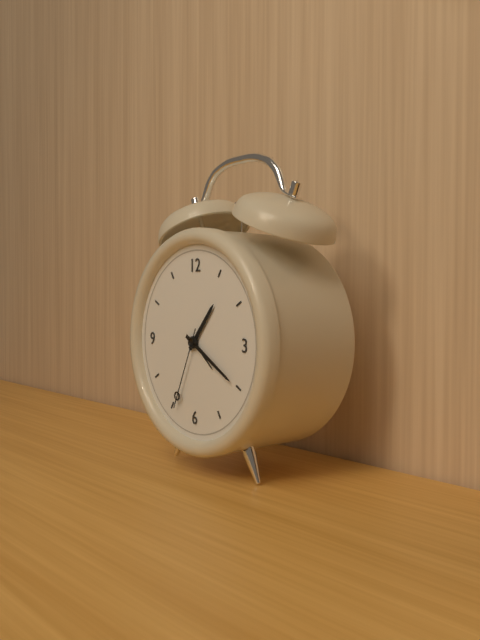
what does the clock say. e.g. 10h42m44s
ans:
1h20m34s
